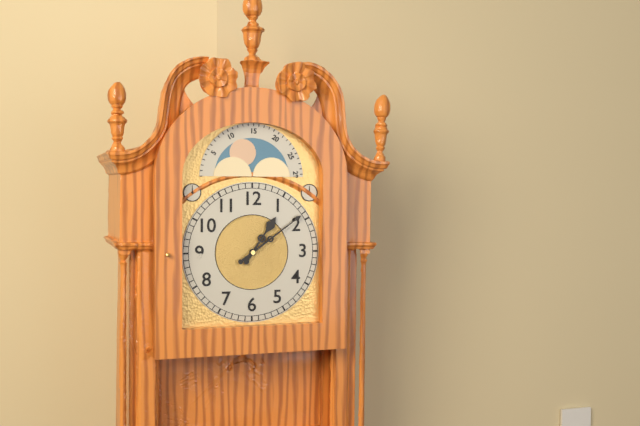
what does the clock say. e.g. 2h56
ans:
1h09
